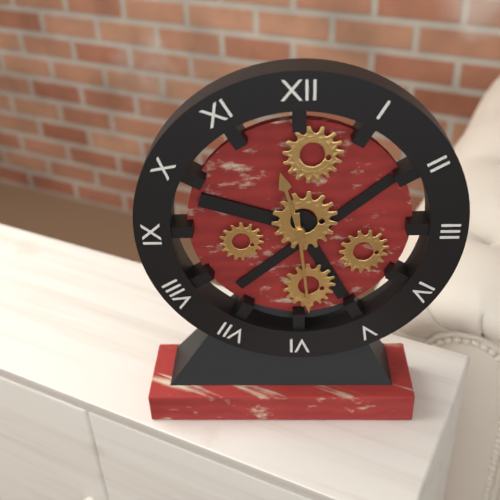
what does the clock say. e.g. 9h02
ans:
11h29
